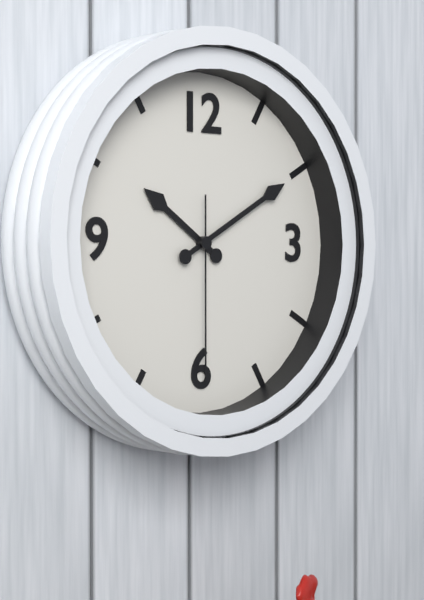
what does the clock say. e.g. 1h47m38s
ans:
10h10m30s
